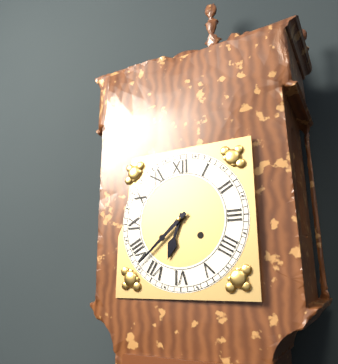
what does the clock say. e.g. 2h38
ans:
6h38
